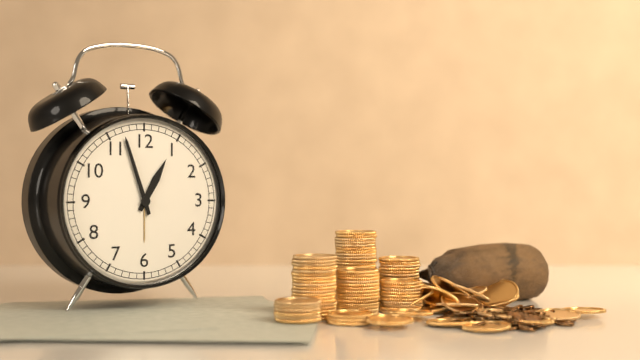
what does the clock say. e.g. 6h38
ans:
12h57
